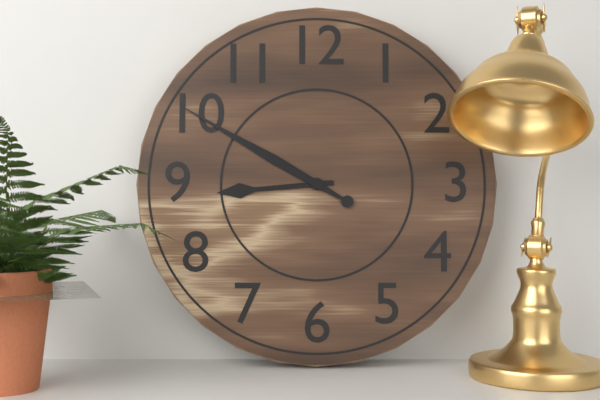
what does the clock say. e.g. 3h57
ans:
8h50
